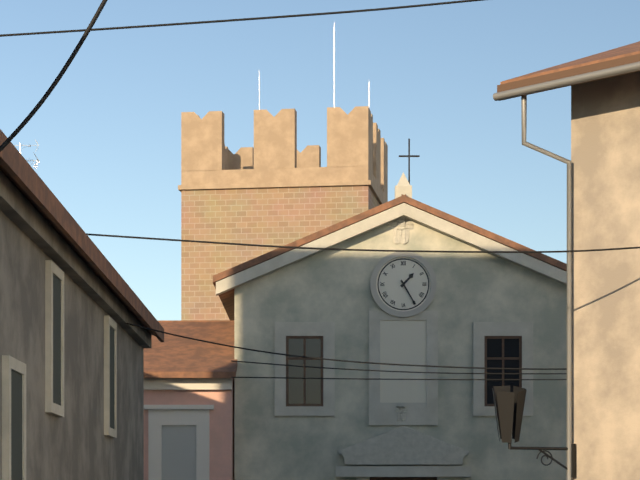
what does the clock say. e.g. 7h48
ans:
1h25
